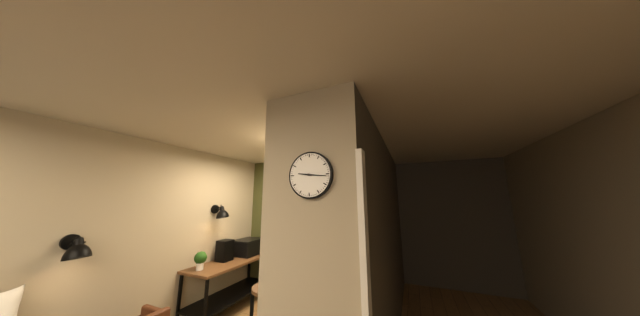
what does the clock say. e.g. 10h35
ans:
9h16
